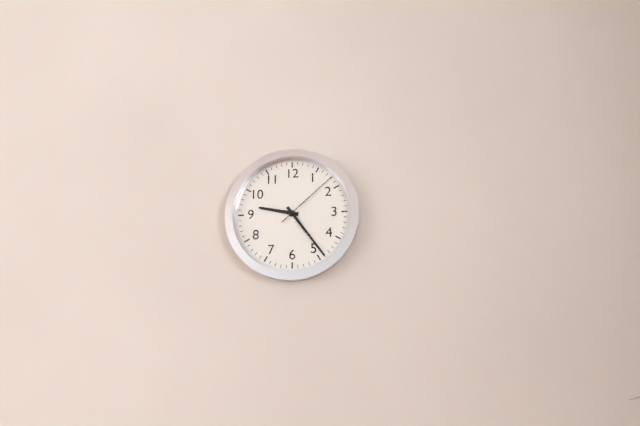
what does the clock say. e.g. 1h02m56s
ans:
9h24m08s
